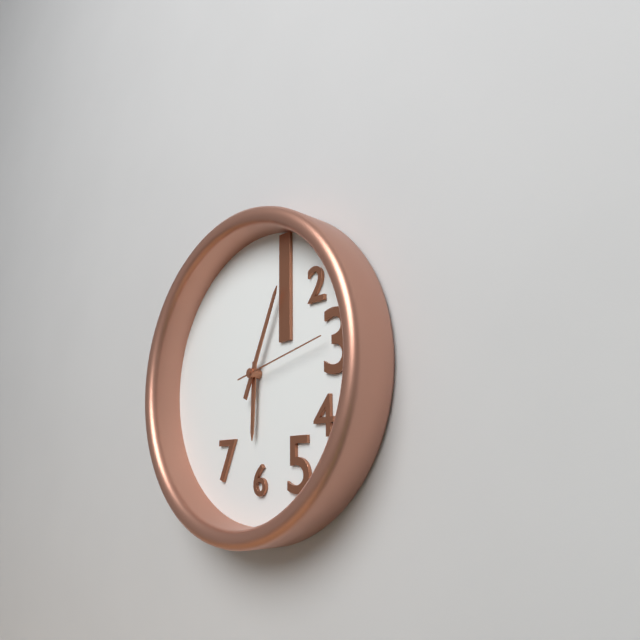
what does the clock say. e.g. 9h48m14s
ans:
6h04m13s
